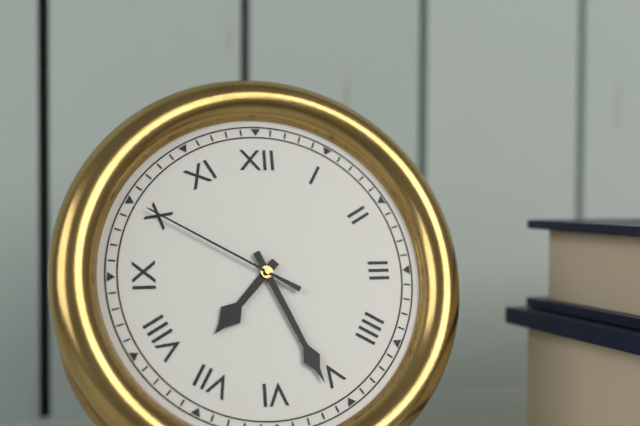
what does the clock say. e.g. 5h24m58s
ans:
7h26m50s
